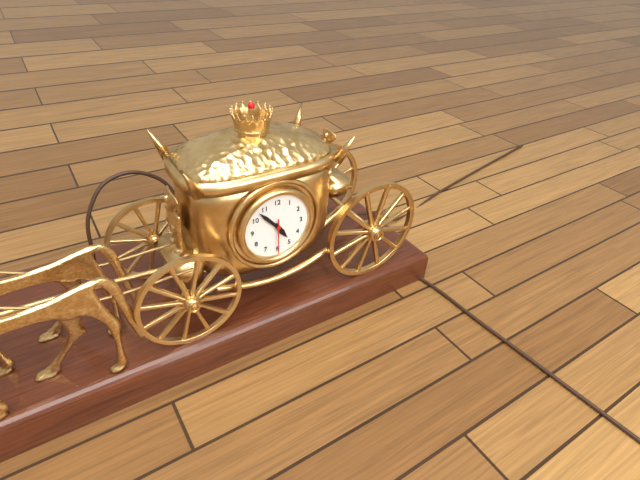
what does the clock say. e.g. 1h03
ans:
4h53
